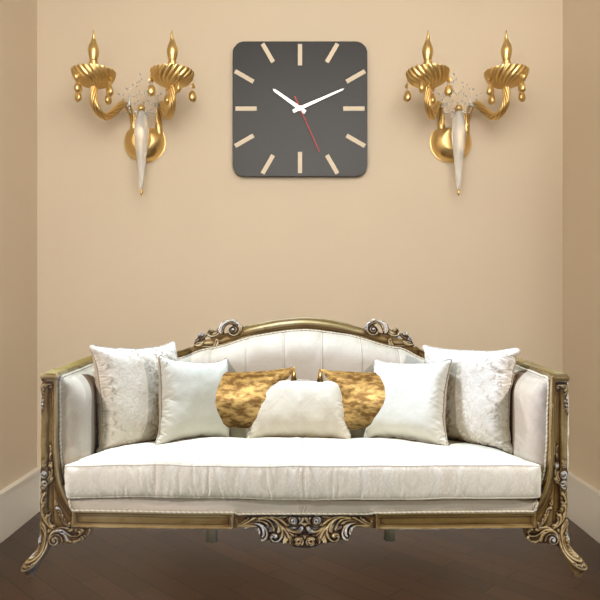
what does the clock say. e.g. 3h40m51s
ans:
10h11m26s
